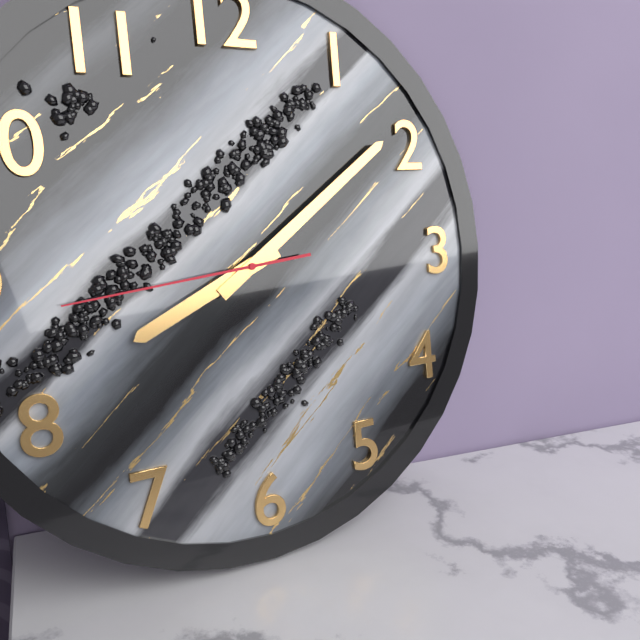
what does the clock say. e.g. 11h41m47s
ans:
8h09m44s
